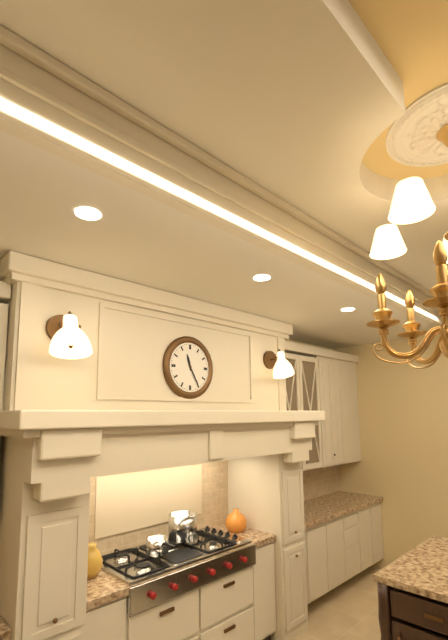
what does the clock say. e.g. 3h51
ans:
11h25
